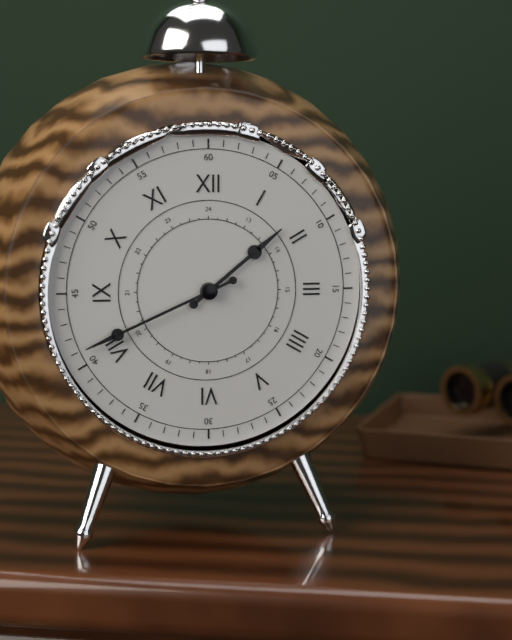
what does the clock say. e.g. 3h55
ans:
1h41
